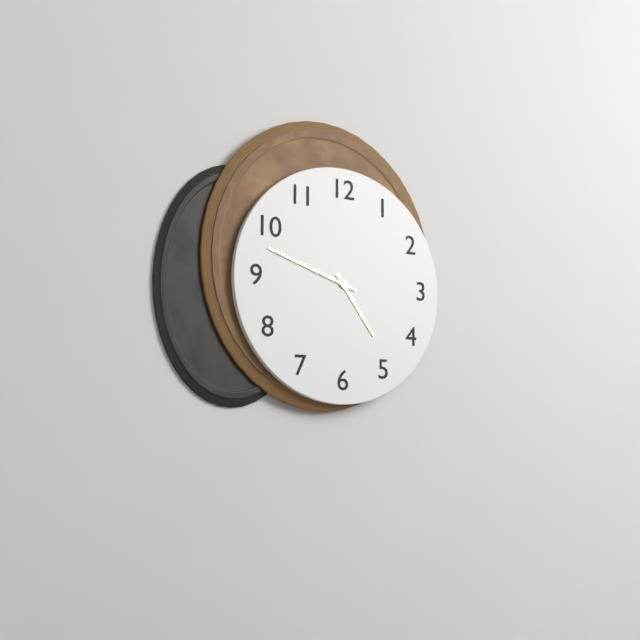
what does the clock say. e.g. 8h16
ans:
4h48
